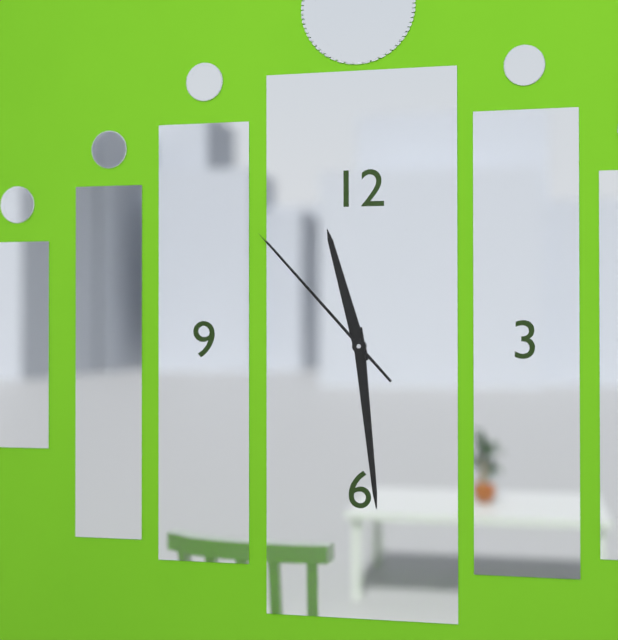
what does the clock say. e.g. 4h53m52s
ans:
11h29m53s
